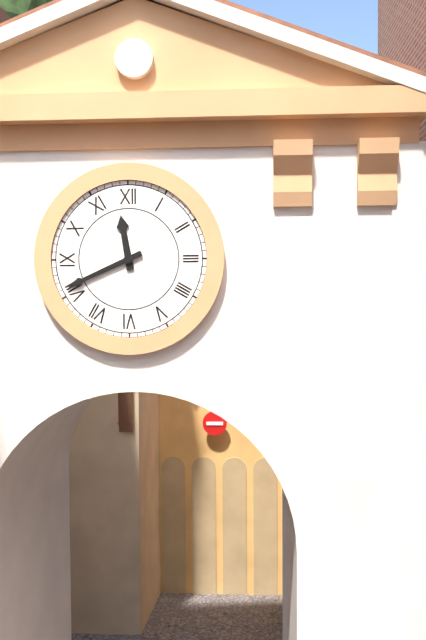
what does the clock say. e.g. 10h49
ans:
11h41
